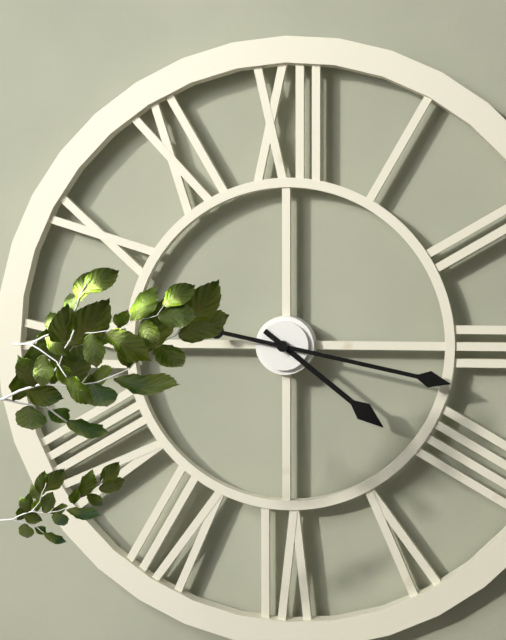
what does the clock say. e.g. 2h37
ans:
4h17
